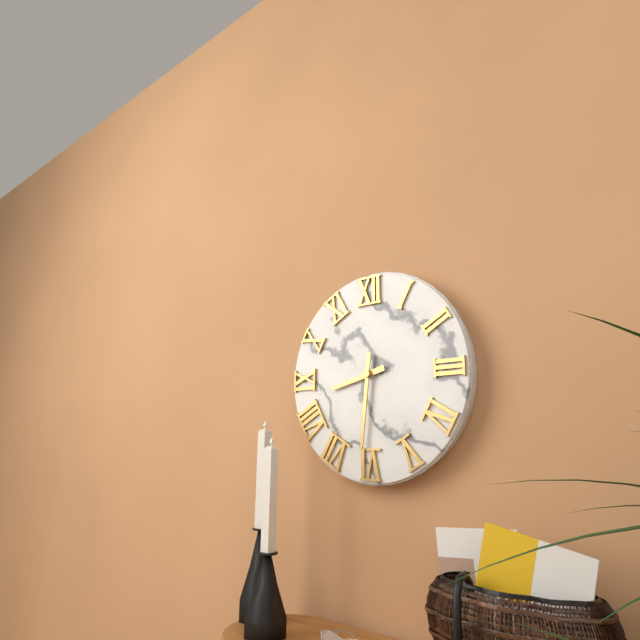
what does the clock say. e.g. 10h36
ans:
8h31
